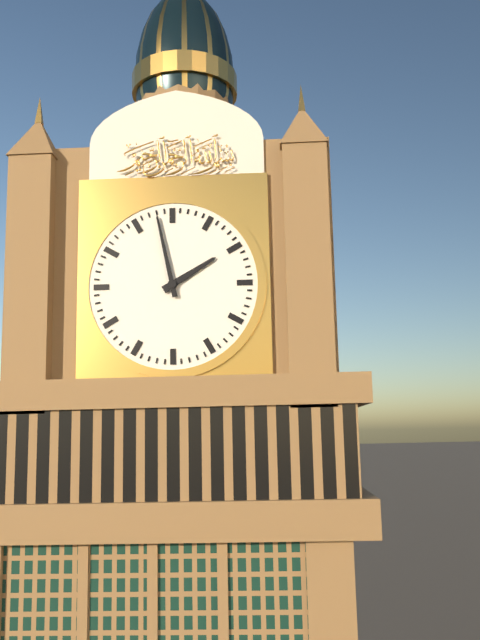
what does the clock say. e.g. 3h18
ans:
1h58
